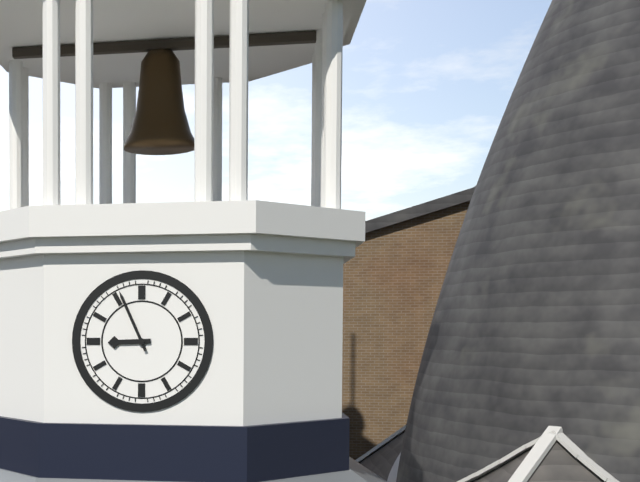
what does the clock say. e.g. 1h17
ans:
8h56
